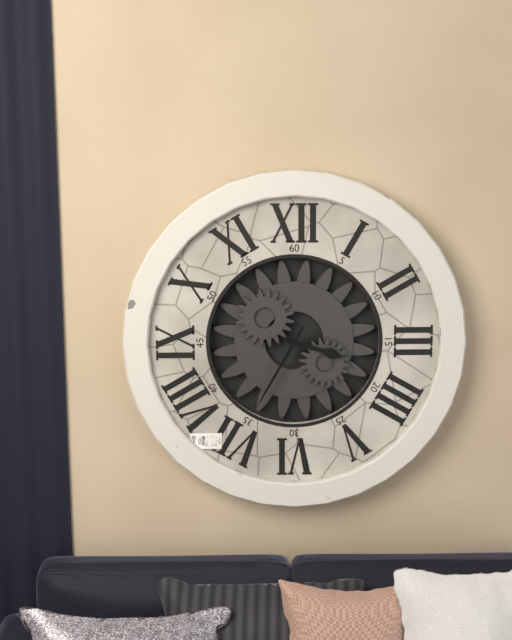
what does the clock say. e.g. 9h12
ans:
3h35
